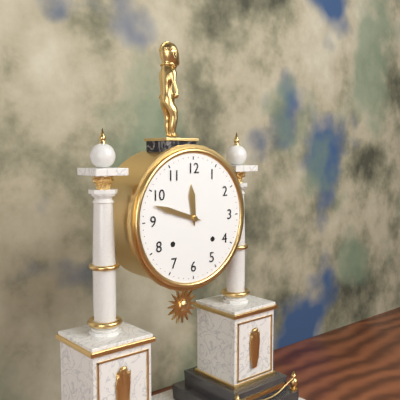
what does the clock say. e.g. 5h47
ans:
11h48
